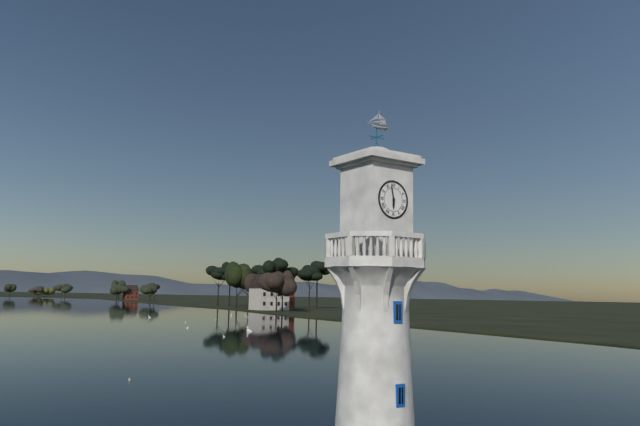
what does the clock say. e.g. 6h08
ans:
5h58
